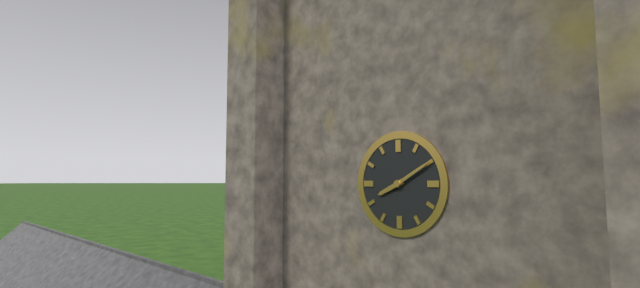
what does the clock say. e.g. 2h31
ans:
8h10
